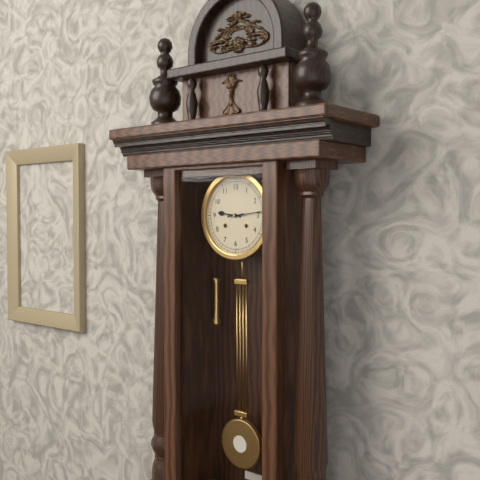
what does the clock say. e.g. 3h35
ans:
9h14
